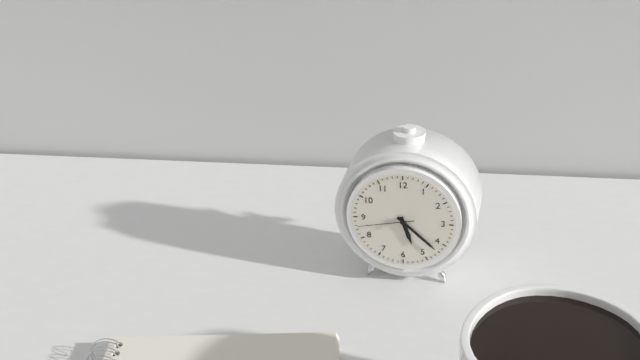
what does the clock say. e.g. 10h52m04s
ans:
5h22m43s
